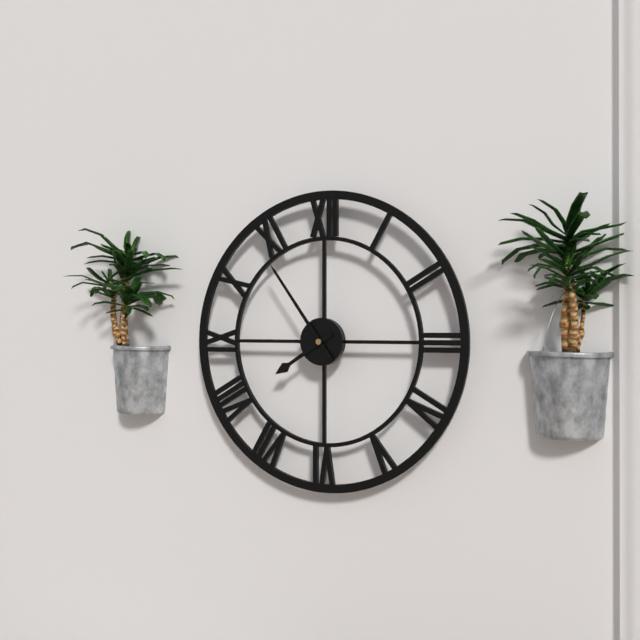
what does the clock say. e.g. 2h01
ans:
7h54
